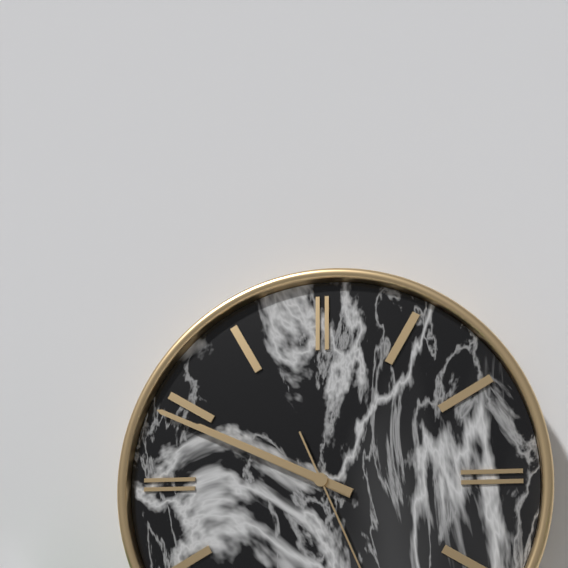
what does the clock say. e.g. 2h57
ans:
9h49
